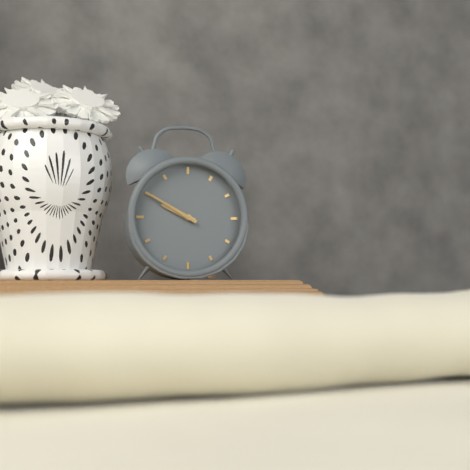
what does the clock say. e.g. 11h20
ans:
9h50
